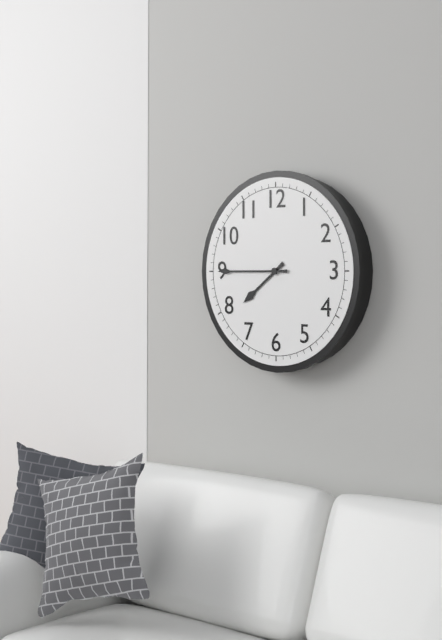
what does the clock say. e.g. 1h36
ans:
7h45
